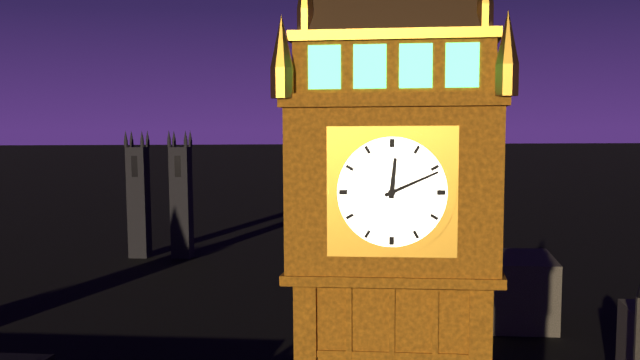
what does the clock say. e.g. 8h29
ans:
12h11
